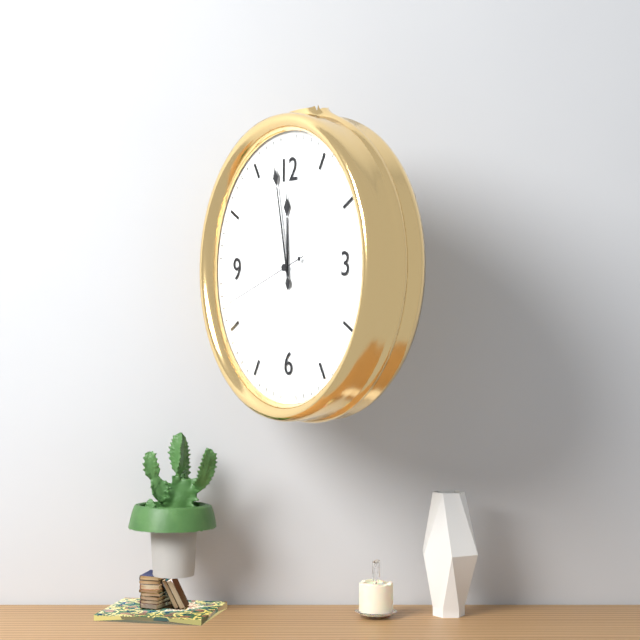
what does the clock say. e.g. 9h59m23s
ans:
11h58m42s
